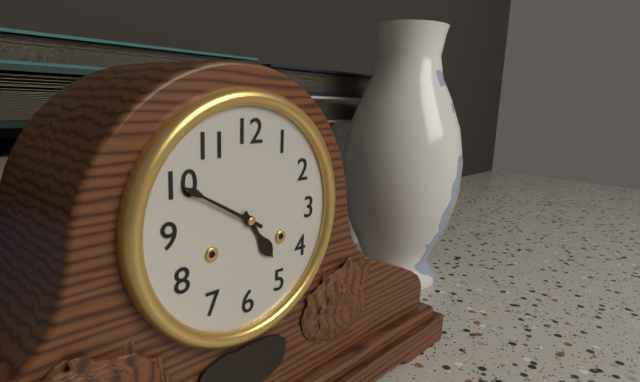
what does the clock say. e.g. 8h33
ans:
4h50
